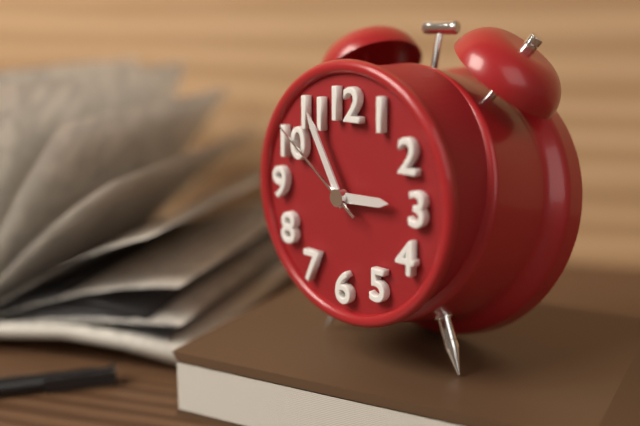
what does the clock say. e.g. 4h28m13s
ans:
2h55m51s
